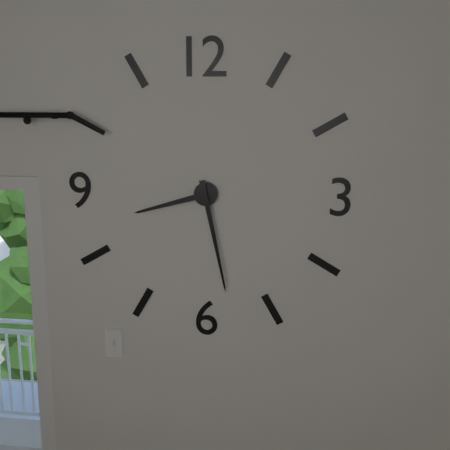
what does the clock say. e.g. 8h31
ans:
8h28
